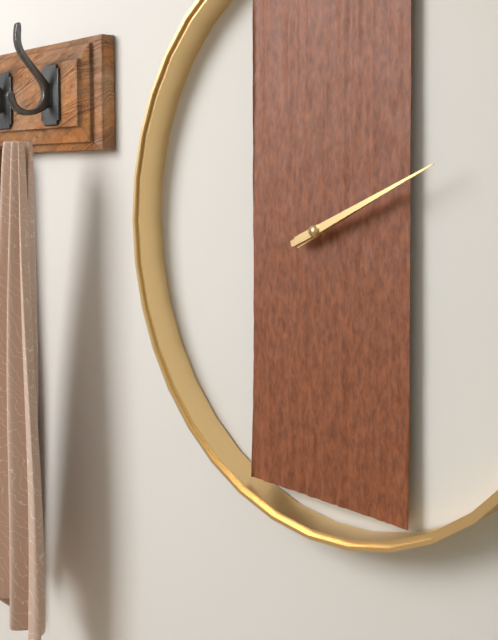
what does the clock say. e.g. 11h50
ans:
2h11
